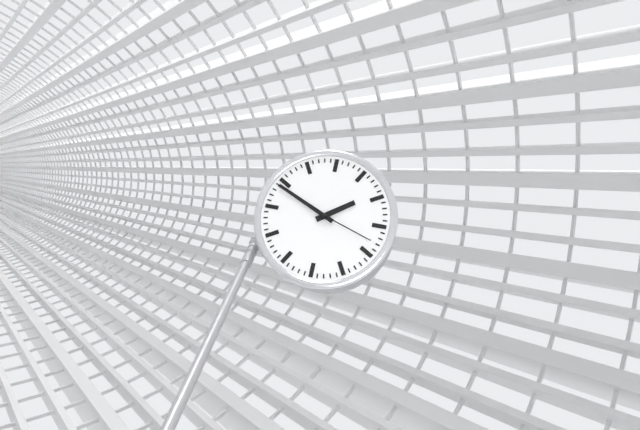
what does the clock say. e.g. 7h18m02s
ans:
1h49m18s
